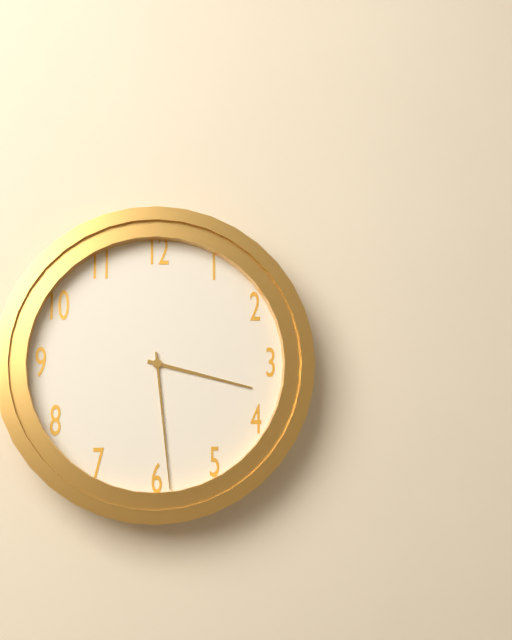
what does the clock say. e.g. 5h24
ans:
3h29
